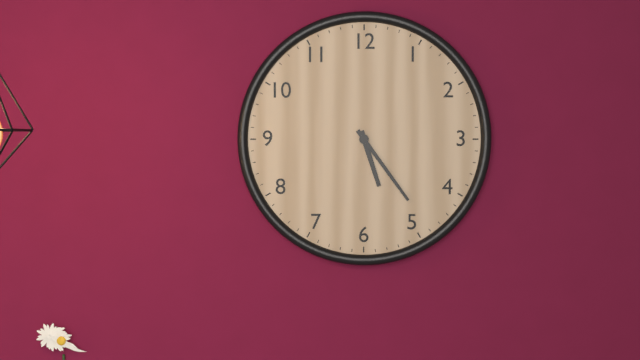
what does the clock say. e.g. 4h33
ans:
5h24
